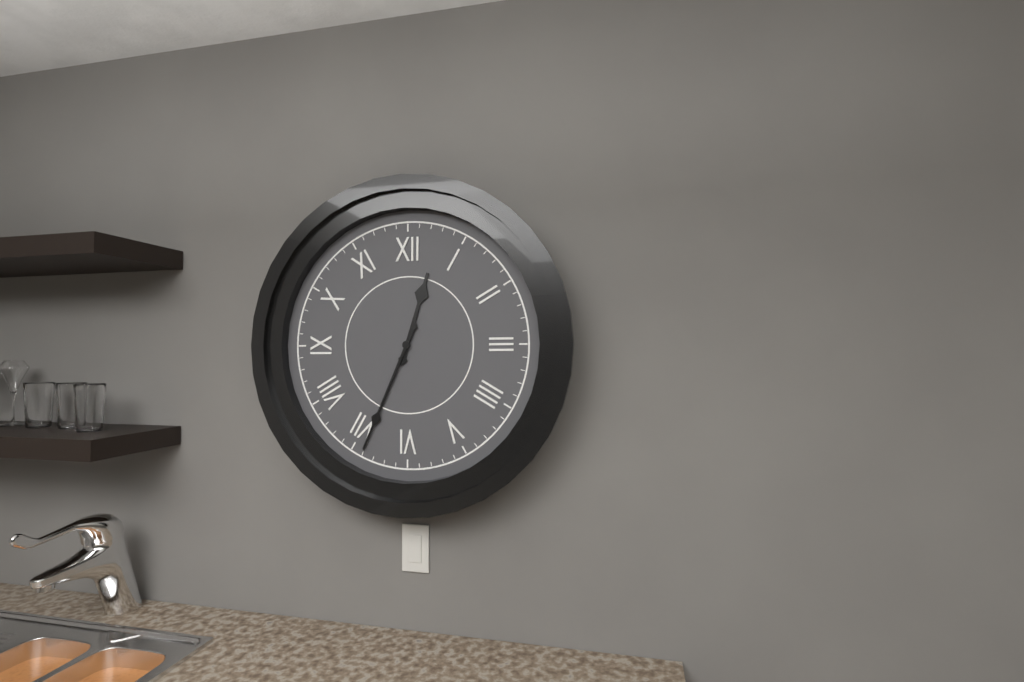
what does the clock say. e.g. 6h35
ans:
12h34
